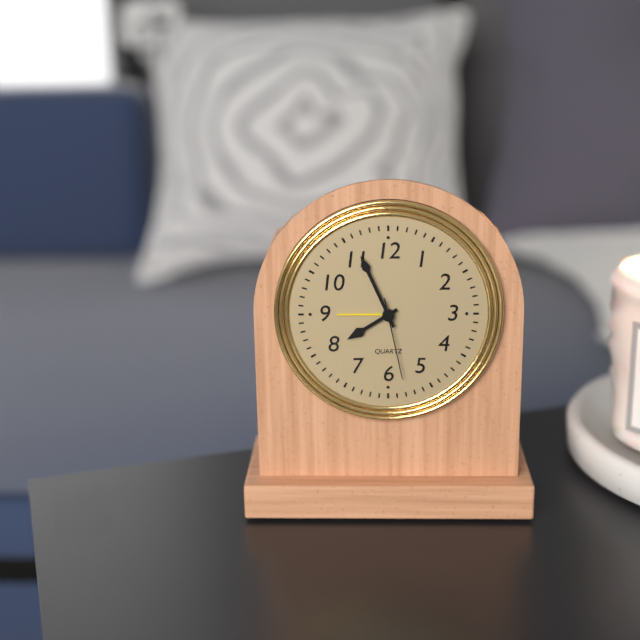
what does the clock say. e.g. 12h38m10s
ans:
7h56m28s
